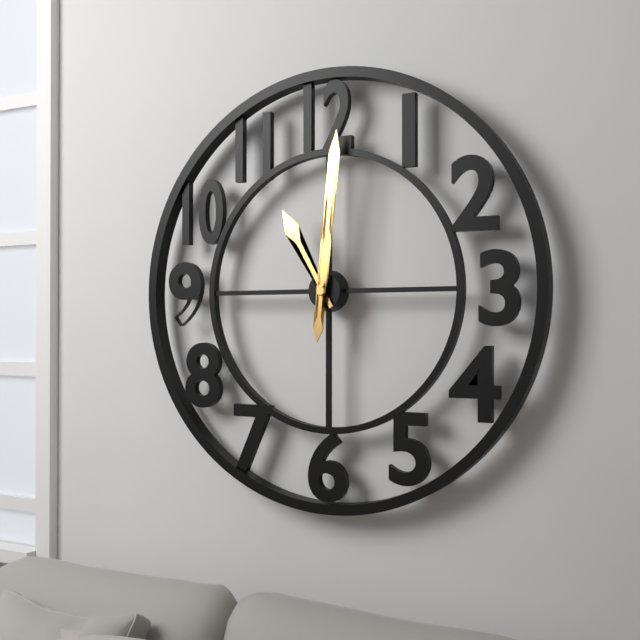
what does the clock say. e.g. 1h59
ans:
11h01
